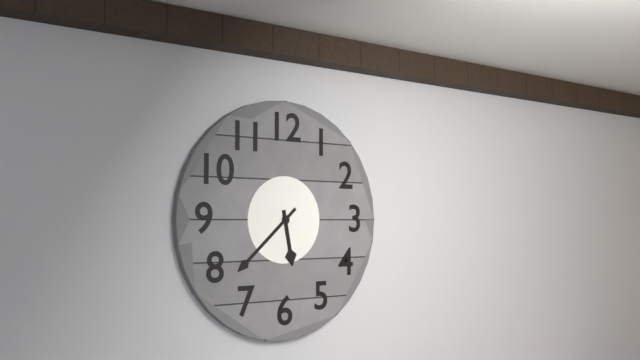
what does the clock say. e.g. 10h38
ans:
5h38
